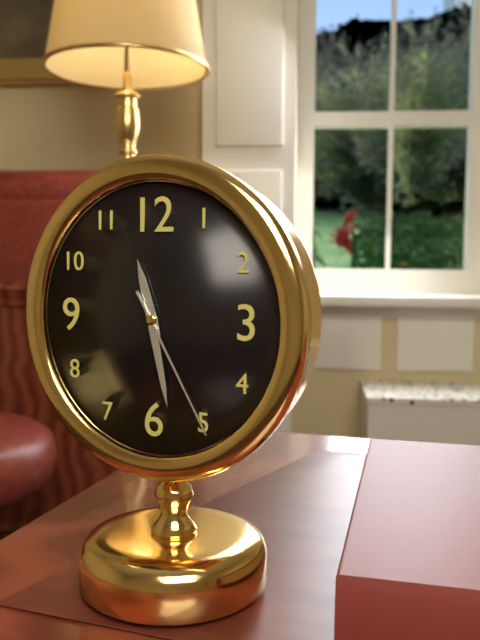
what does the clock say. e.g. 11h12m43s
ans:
11h28m25s
